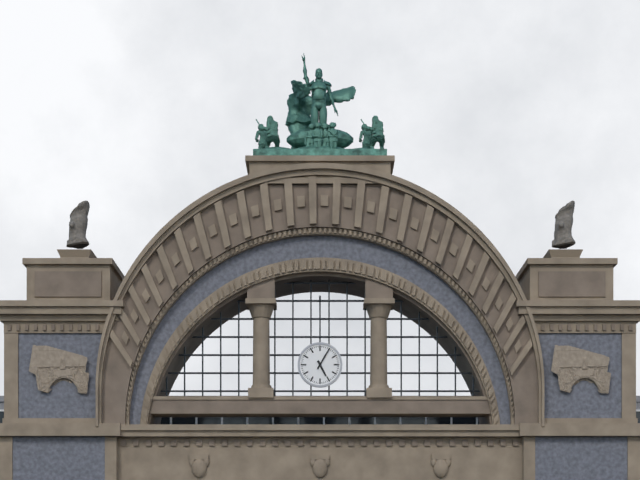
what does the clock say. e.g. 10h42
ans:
5h05
